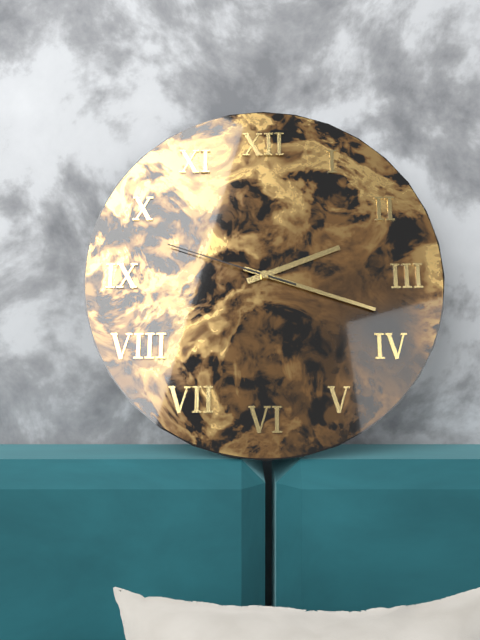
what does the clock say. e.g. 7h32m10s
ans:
2h18m48s
